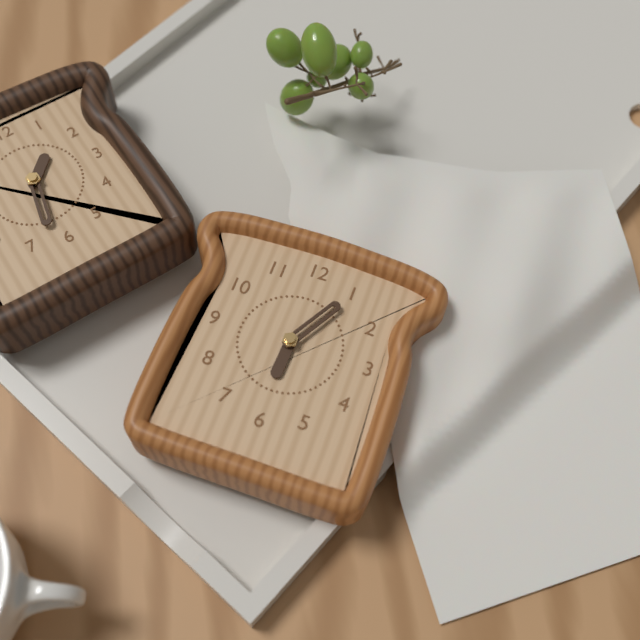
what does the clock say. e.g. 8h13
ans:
6h05
